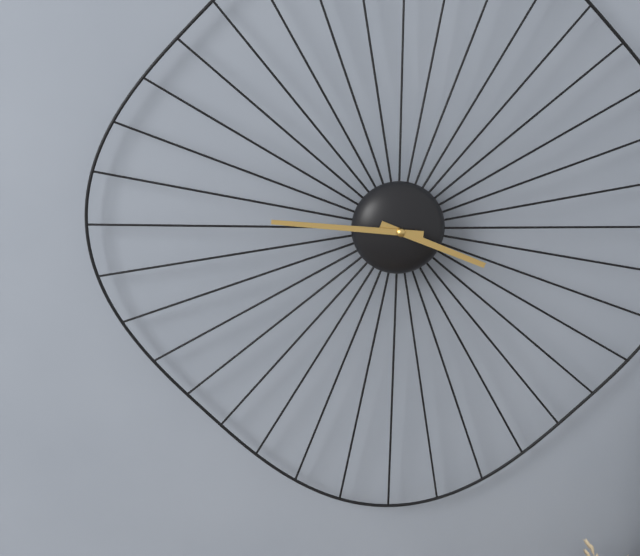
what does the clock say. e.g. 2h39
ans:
3h46
